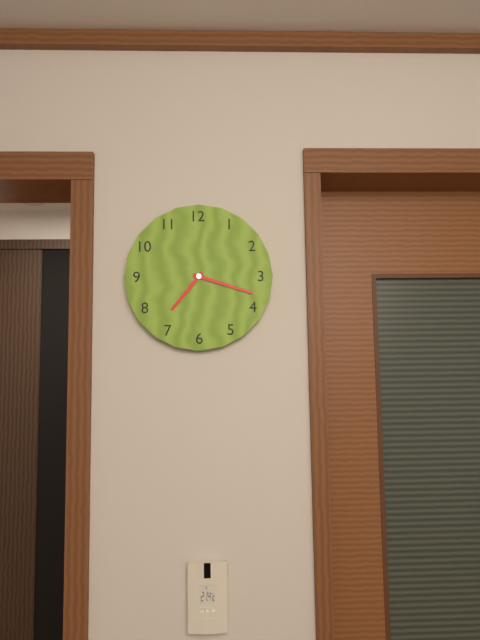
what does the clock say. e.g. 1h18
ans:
7h18
